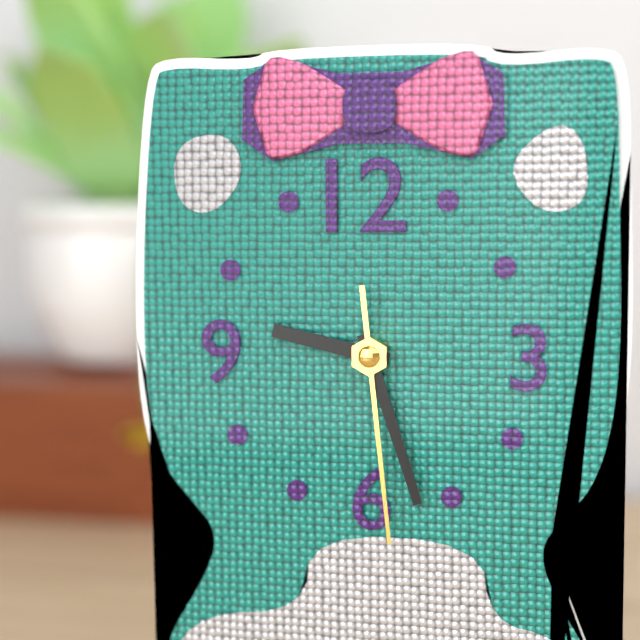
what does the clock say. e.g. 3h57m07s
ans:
9h27m29s
